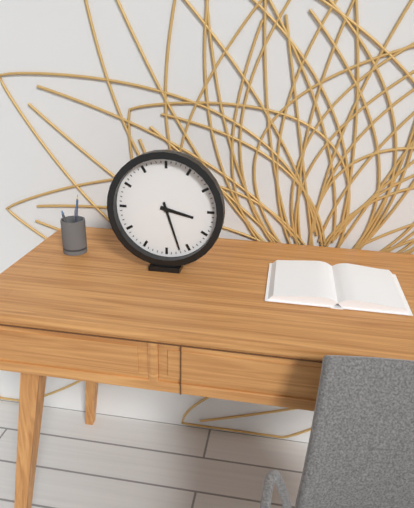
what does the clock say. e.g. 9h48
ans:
3h27
